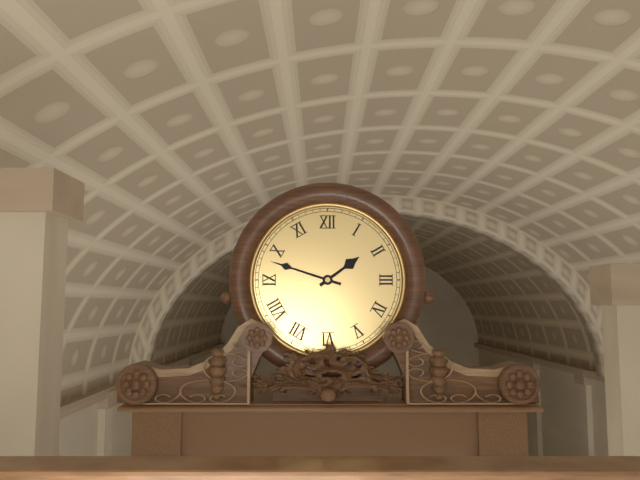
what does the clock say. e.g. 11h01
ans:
1h48
